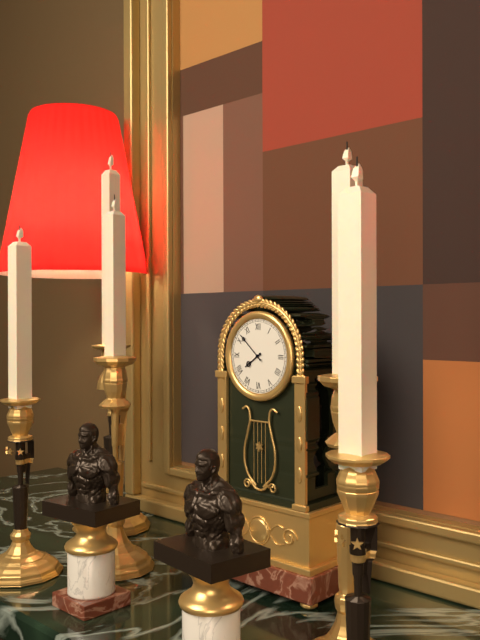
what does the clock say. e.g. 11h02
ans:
7h52
